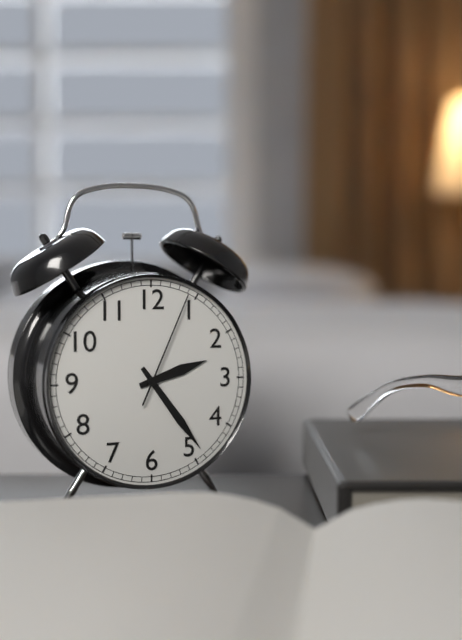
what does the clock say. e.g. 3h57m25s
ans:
2h24m04s
